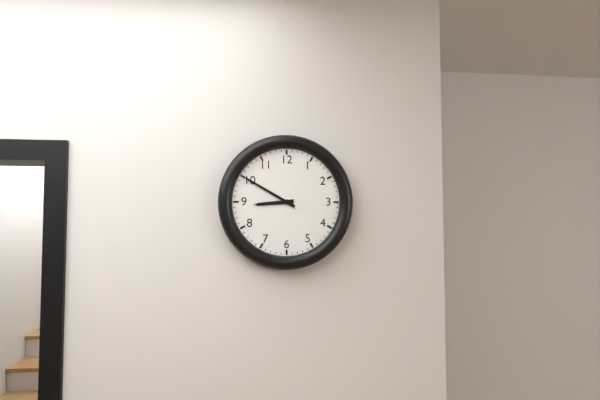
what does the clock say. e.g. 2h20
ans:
8h50
